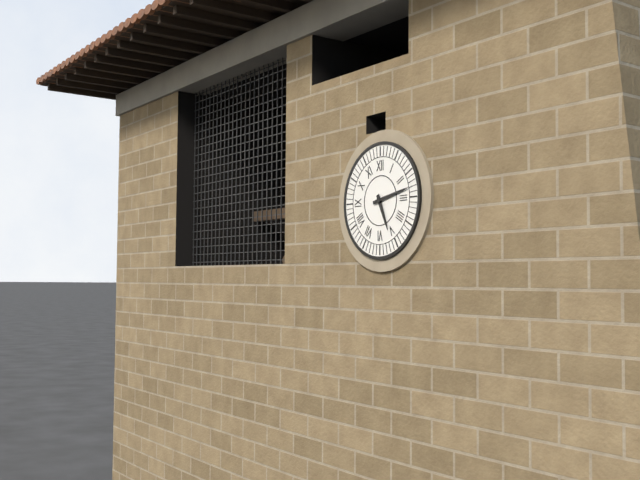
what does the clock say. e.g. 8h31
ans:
5h13
